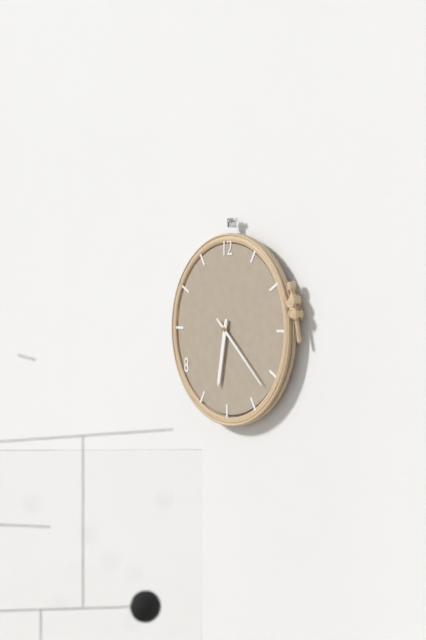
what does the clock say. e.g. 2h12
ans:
6h22
